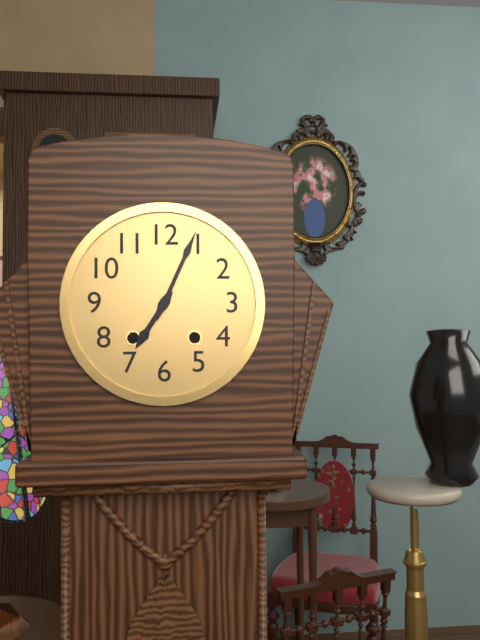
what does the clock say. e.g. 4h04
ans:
7h04
